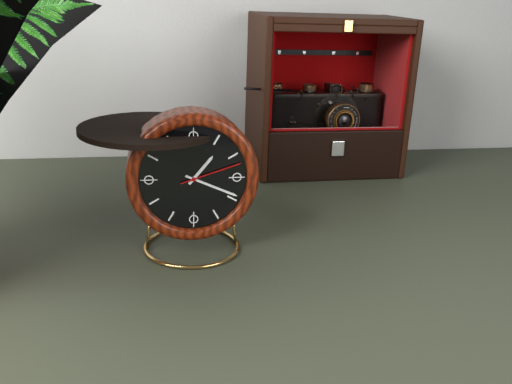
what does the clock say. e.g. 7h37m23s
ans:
1h19m12s
